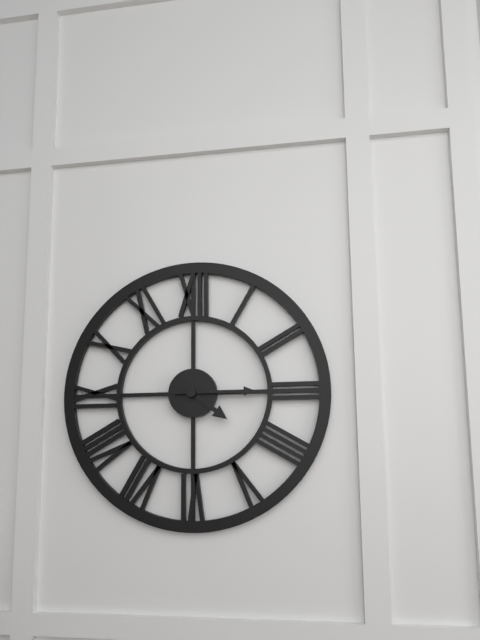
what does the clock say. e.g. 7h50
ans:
4h15
